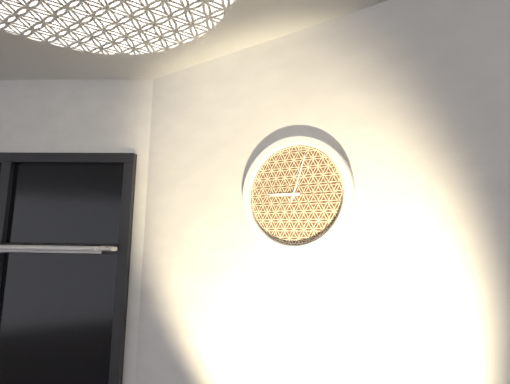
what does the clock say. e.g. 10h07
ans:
9h03
